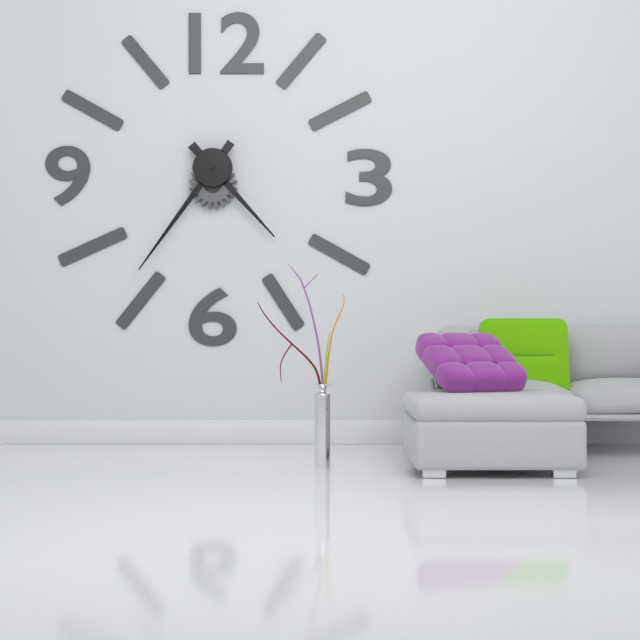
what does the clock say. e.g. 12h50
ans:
4h36
